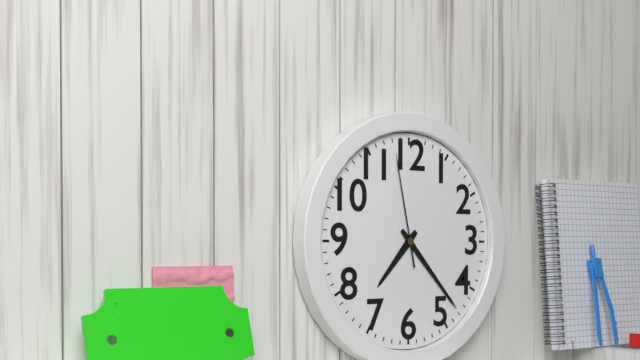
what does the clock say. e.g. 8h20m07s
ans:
7h23m58s
